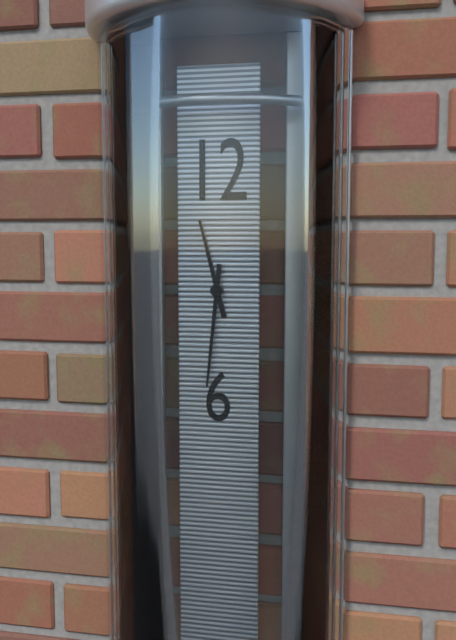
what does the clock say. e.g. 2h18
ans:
11h31
